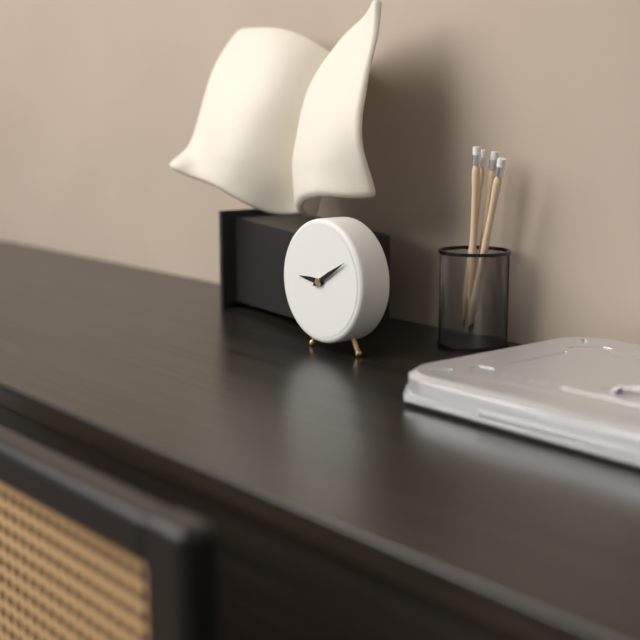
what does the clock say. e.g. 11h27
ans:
9h10
